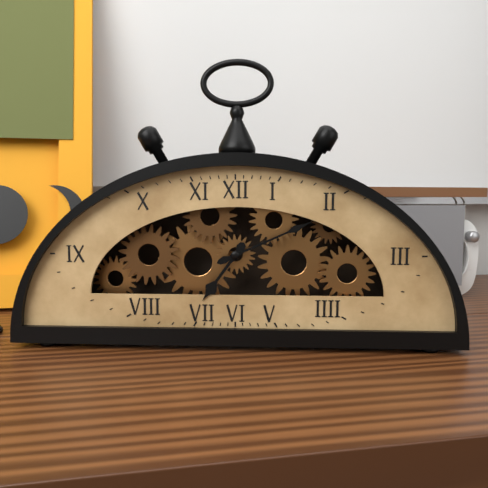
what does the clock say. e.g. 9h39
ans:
7h11
